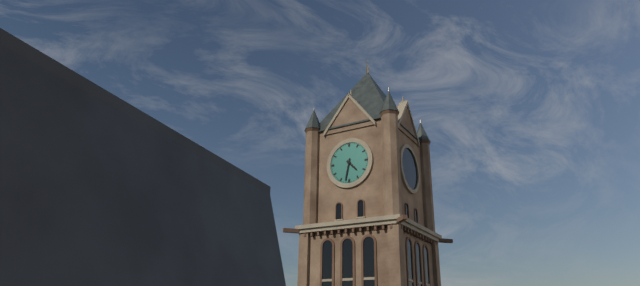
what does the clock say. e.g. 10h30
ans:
4h32
